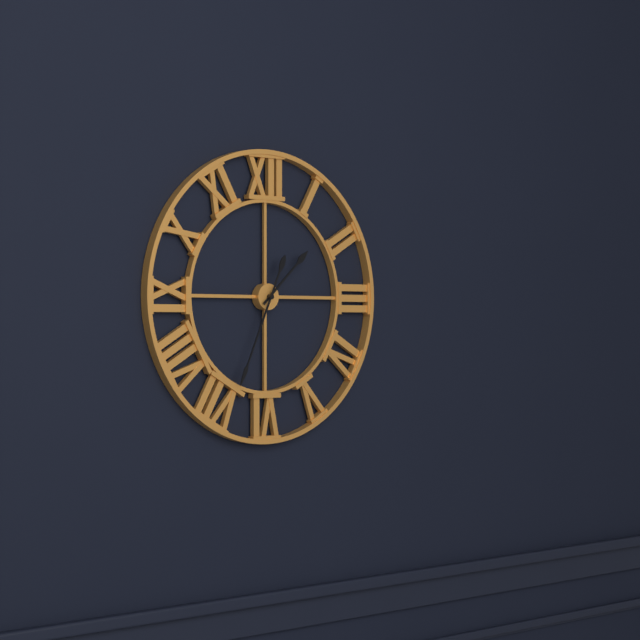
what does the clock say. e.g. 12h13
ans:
1h34
